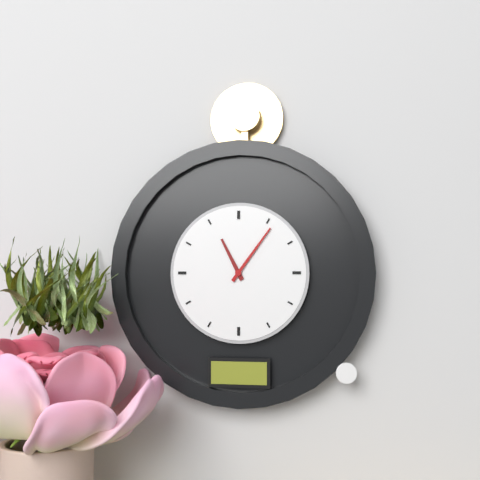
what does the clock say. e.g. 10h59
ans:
11h06
